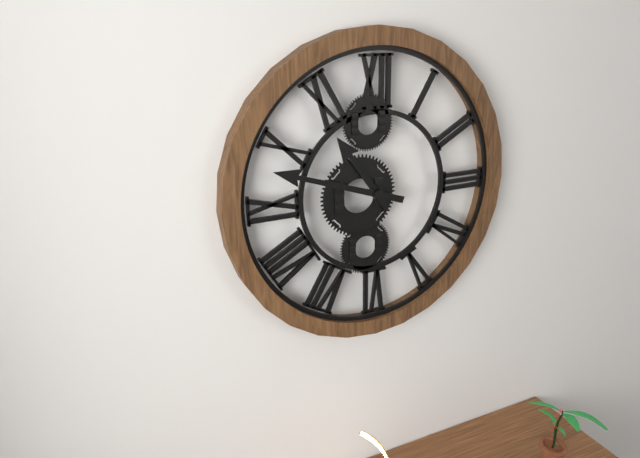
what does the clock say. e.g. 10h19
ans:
10h48
